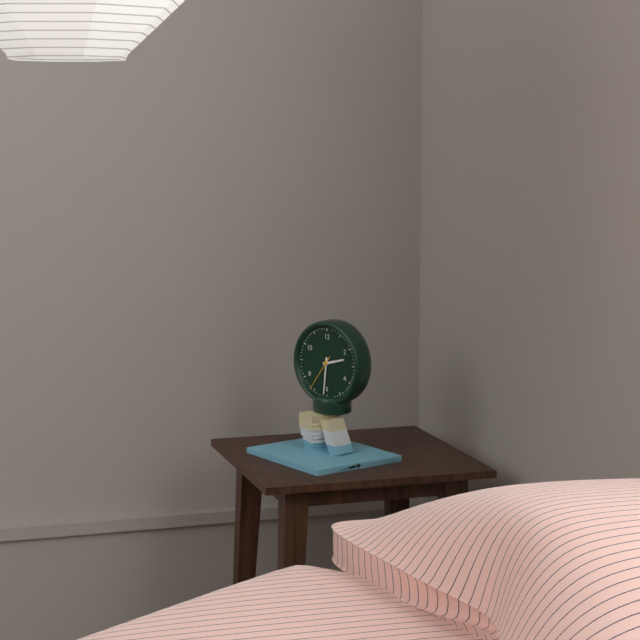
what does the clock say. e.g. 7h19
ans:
2h31
